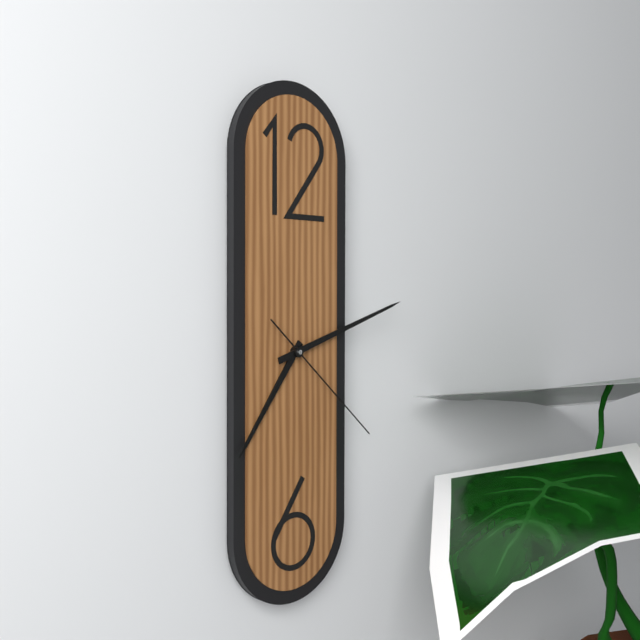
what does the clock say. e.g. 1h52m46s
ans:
7h12m22s
